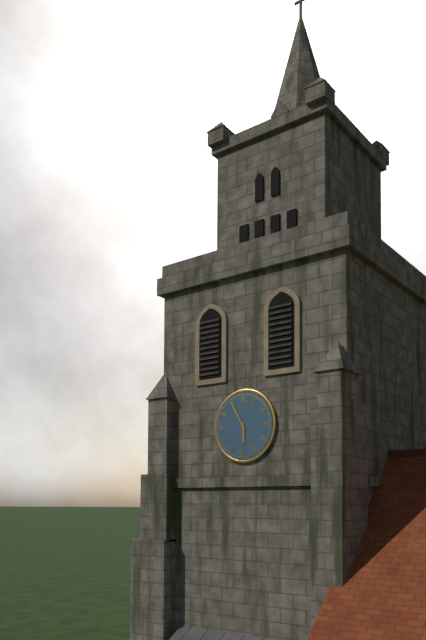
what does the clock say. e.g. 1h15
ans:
5h55
